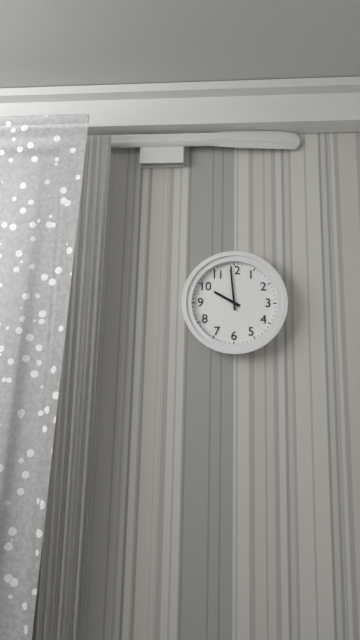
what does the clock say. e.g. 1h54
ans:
9h59
